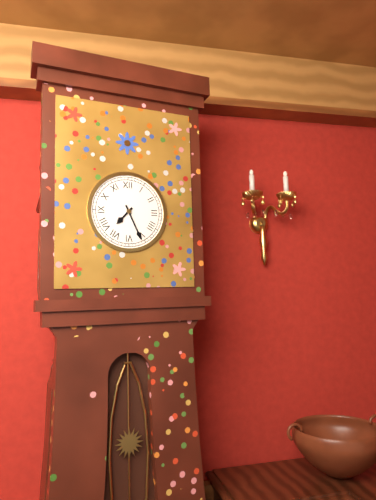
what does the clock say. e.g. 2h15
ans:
7h26
